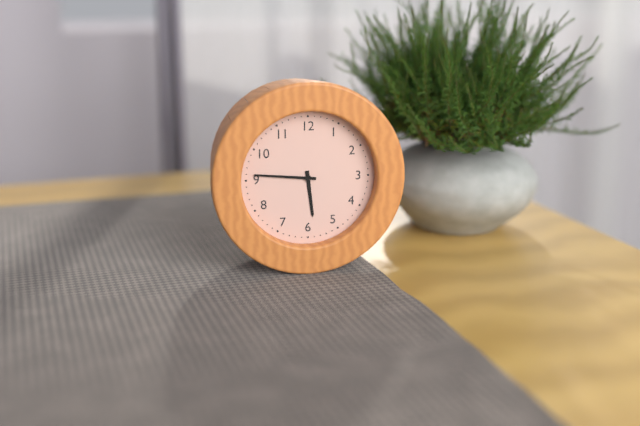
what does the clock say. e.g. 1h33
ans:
5h46
